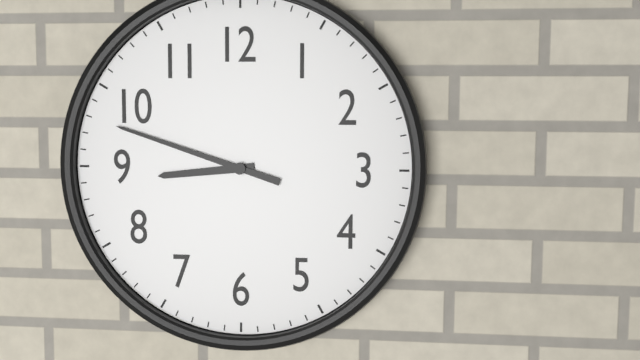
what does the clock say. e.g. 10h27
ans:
8h48
